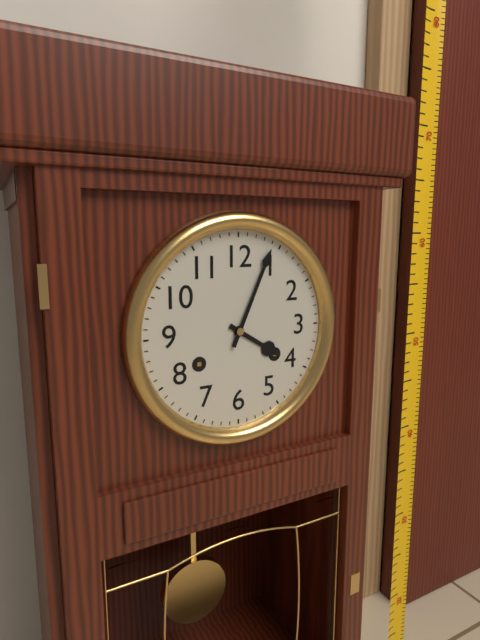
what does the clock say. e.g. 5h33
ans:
4h04
